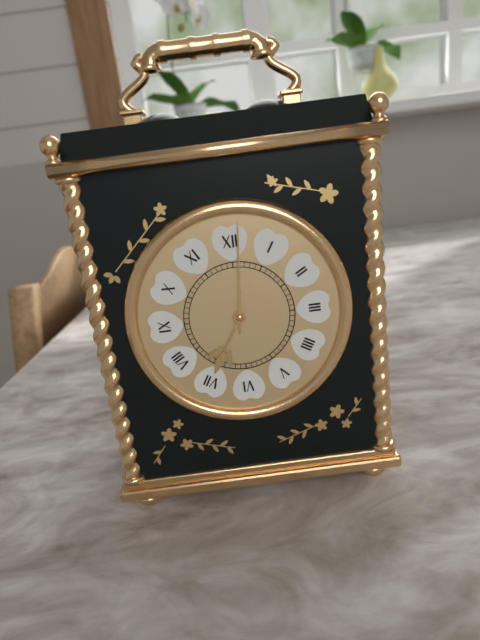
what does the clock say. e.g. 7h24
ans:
7h01
